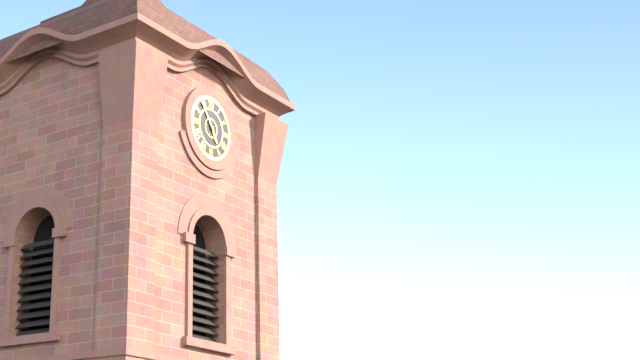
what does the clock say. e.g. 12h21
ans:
4h54
